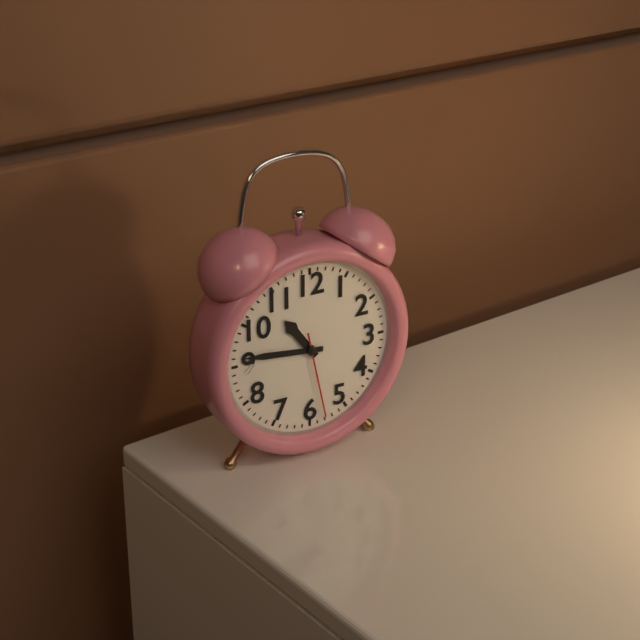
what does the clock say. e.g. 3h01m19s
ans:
10h46m28s
